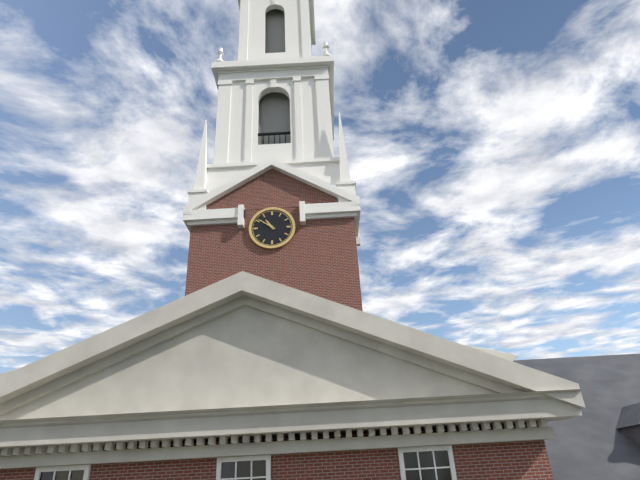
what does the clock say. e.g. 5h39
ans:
10h51
